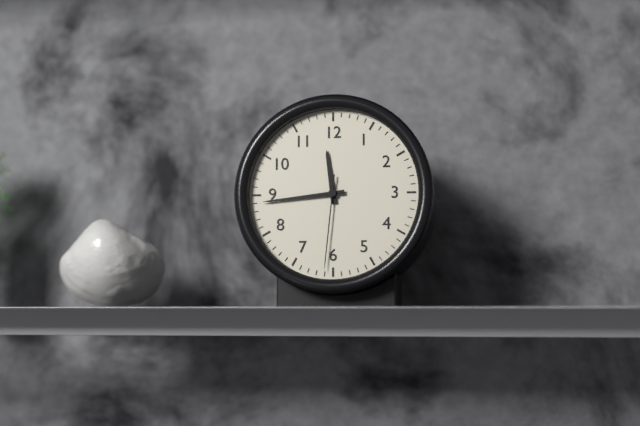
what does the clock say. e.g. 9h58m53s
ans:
11h44m31s
